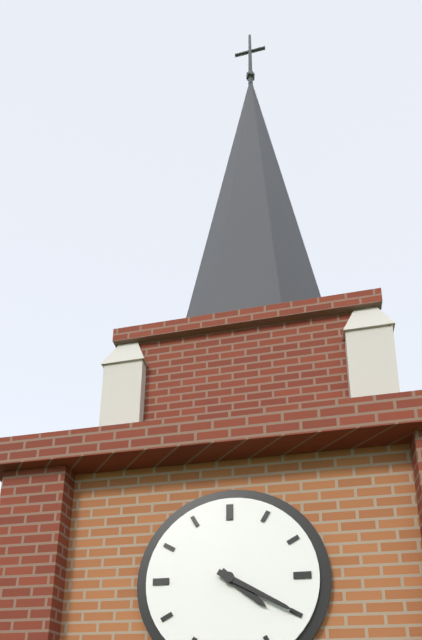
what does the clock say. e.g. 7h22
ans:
4h20
